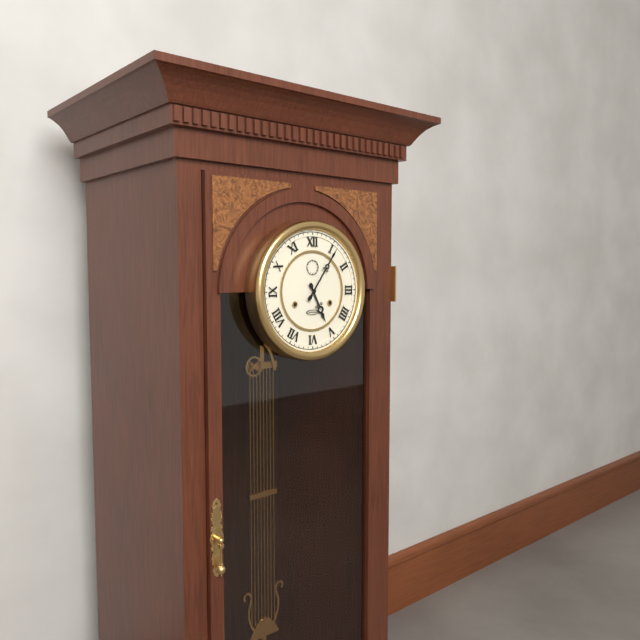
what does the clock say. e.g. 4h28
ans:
5h06
